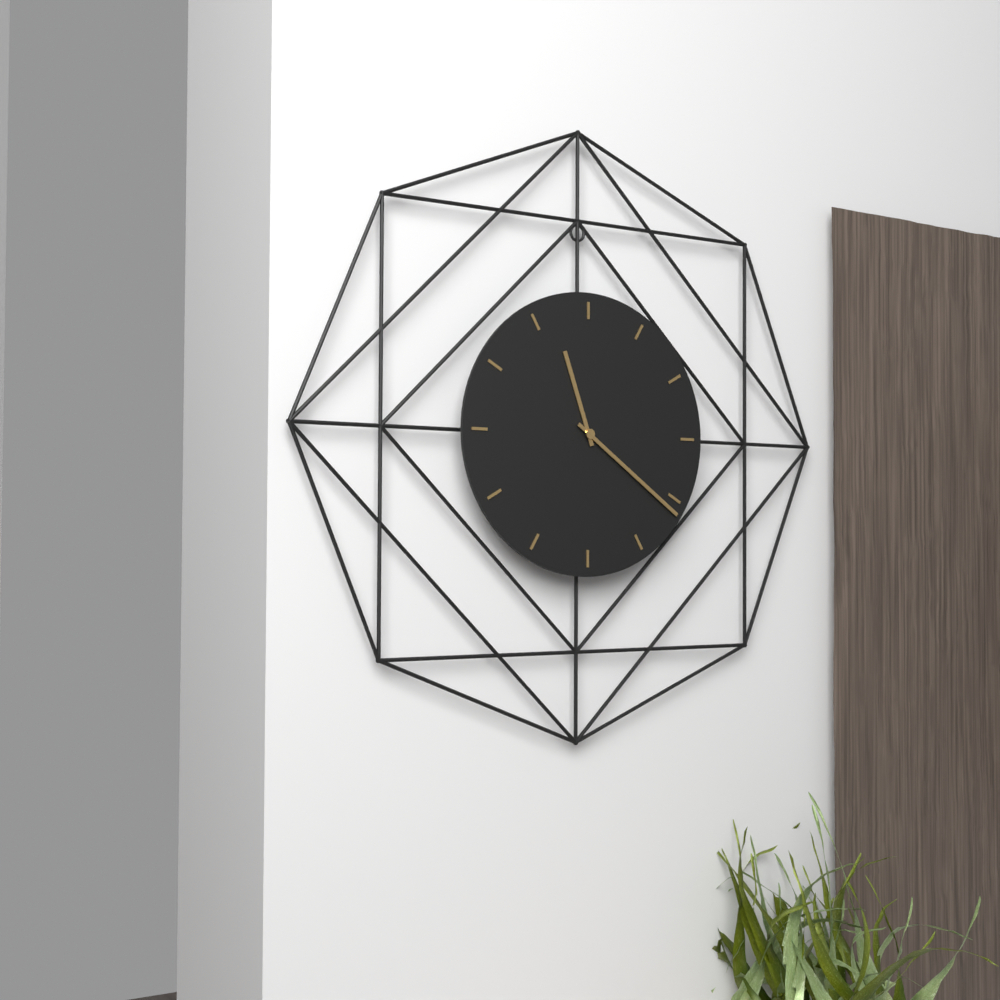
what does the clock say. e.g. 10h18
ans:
11h21
